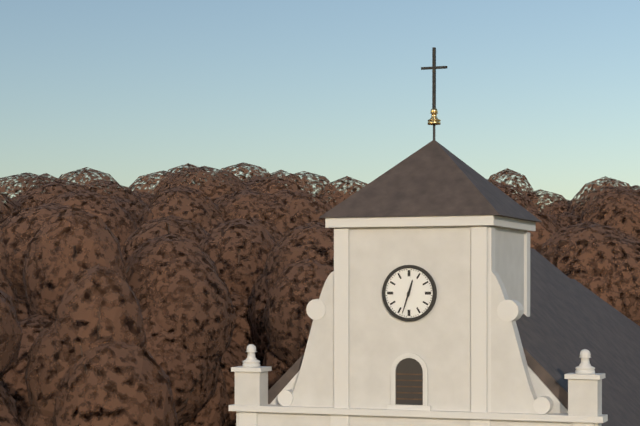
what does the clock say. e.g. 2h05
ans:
12h33
